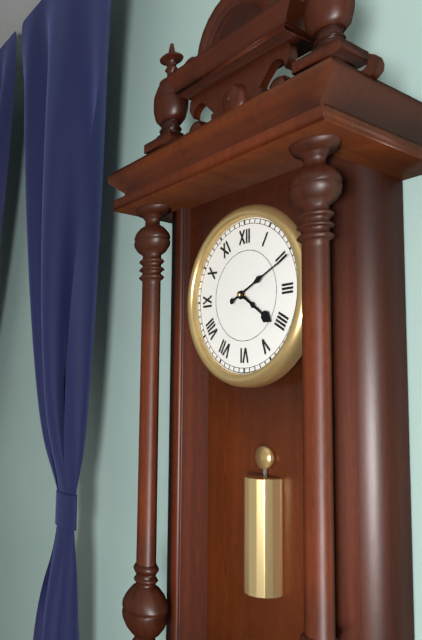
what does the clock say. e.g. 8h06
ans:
4h11
